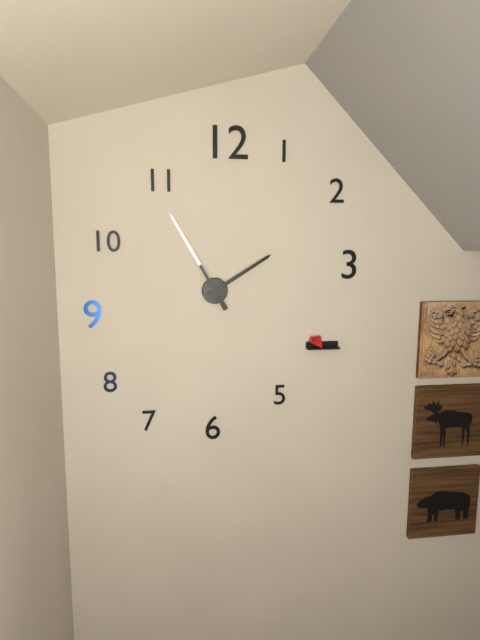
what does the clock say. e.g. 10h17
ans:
1h55
